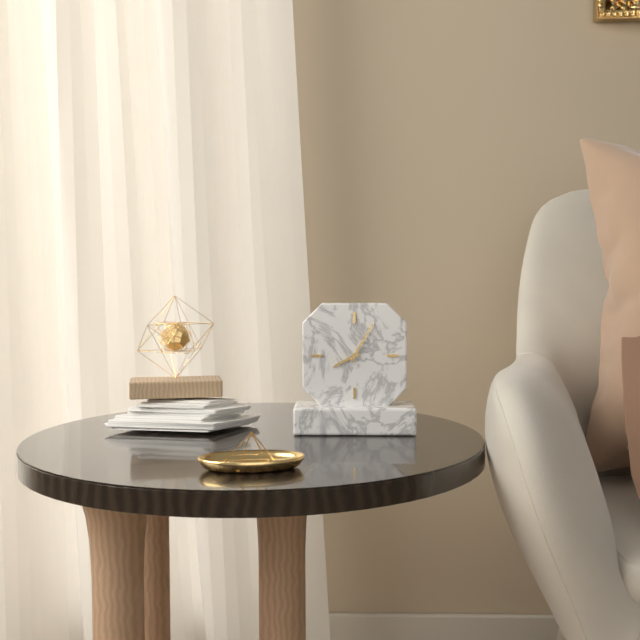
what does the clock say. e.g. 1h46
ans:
8h05
